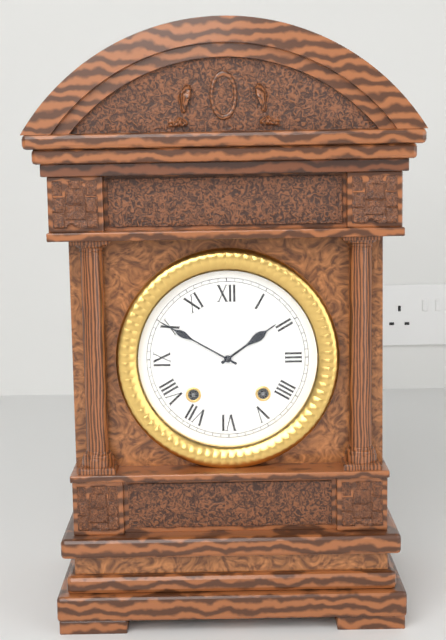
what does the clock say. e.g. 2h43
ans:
1h50
